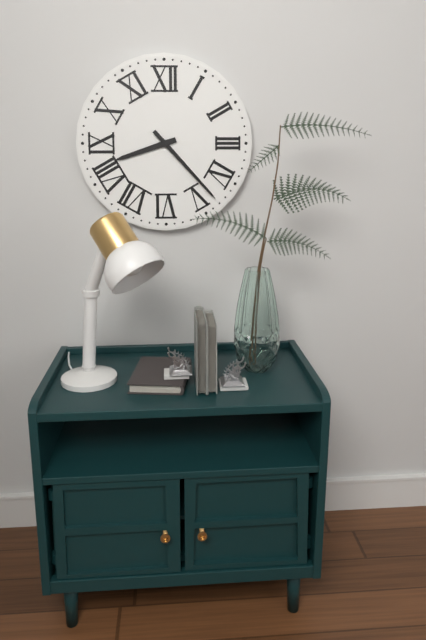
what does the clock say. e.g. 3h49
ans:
8h23
